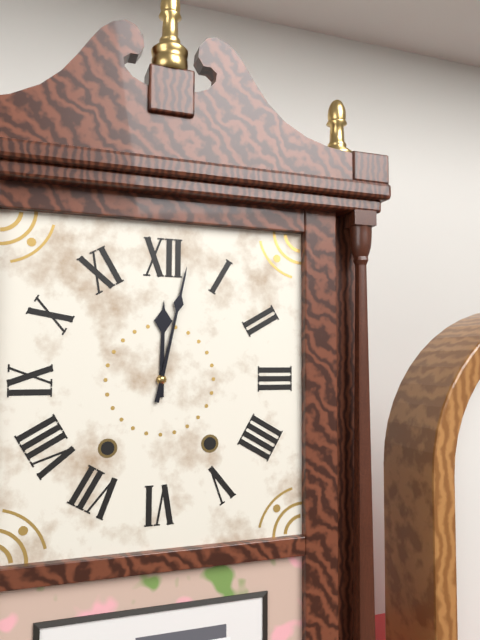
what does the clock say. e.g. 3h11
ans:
12h02
